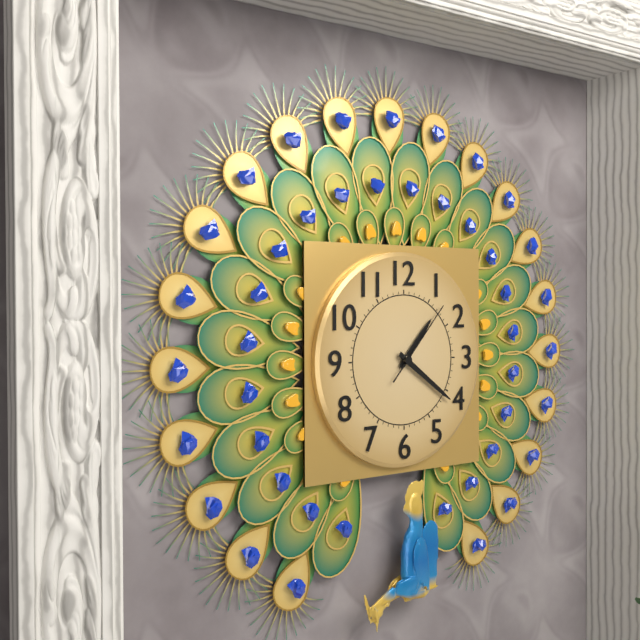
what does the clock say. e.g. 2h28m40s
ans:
1h21m07s
